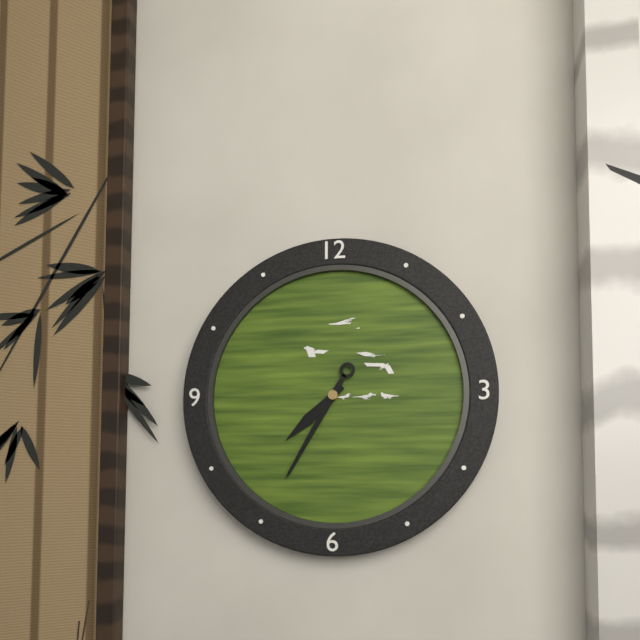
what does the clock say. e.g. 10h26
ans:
7h35
